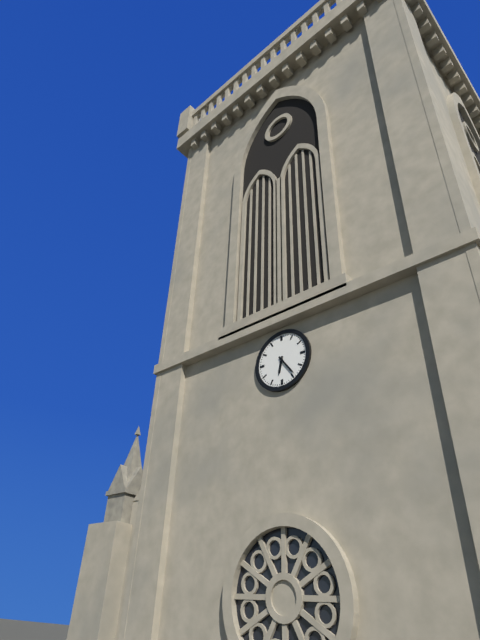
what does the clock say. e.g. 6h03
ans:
6h24
